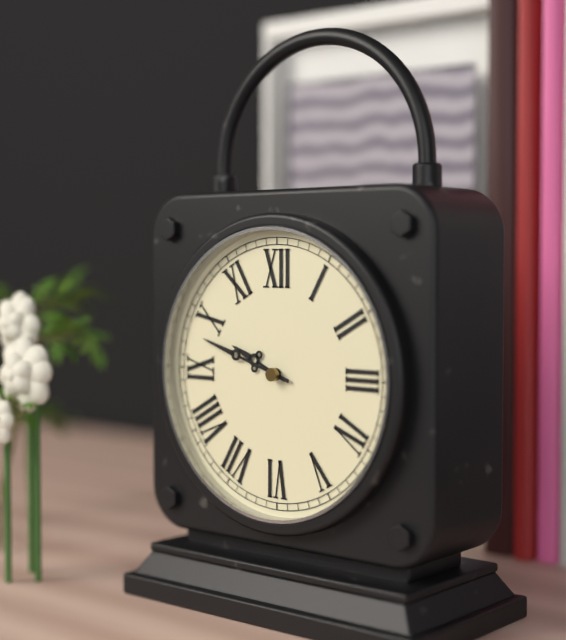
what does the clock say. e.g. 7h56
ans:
9h48
